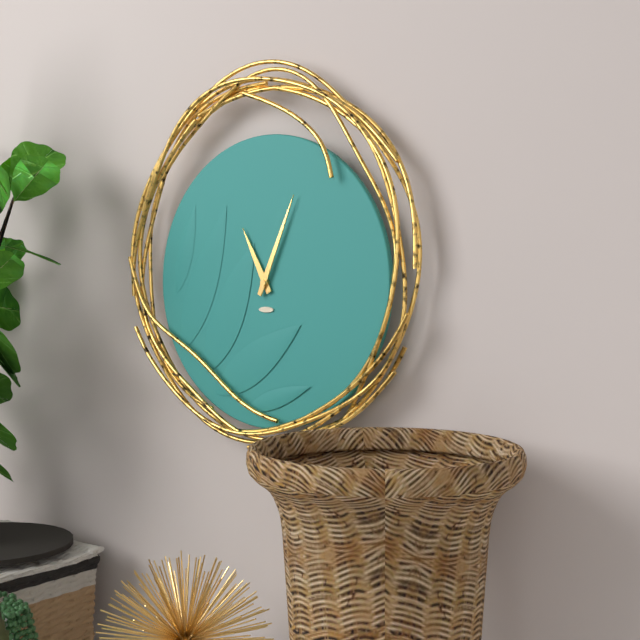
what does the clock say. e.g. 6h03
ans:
11h04
